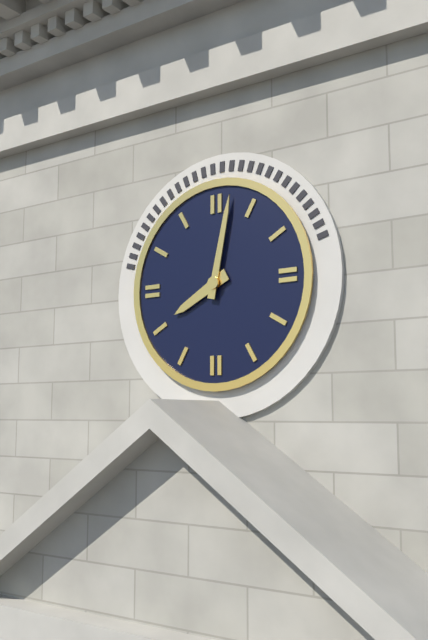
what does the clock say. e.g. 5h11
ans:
8h02
